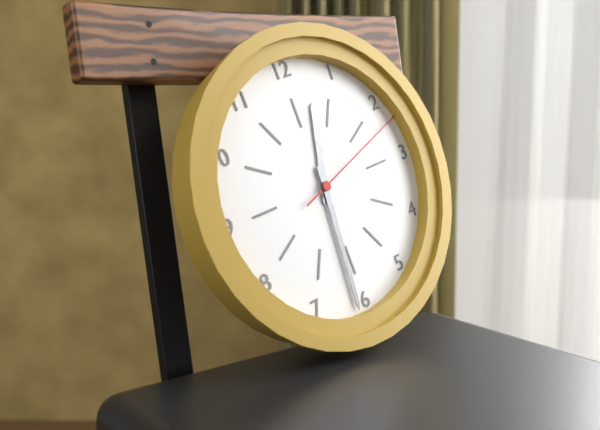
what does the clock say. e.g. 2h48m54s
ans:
12h31m12s
